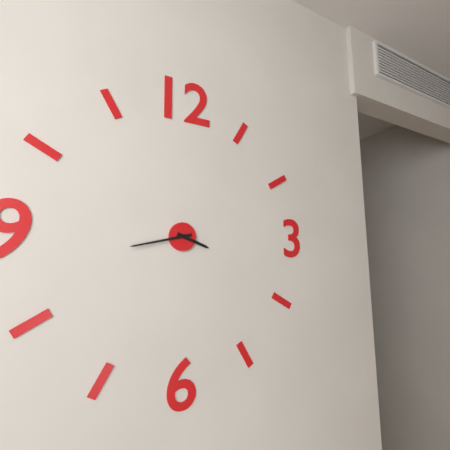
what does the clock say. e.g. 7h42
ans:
3h43
